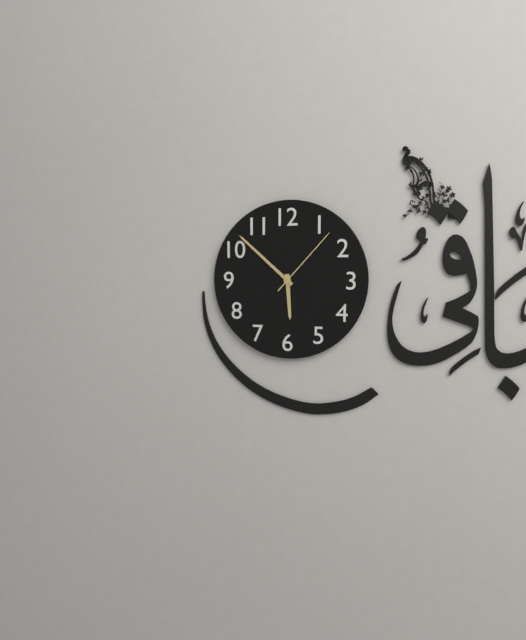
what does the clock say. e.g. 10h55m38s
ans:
5h52m07s
